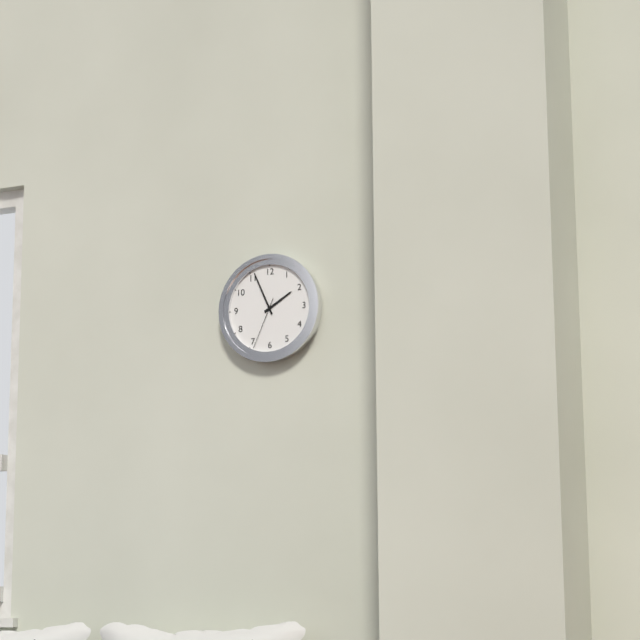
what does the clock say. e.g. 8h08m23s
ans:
1h56m34s
